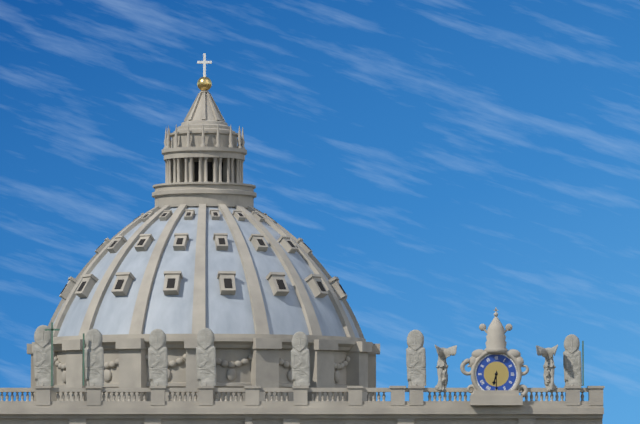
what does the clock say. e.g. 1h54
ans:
6h30
